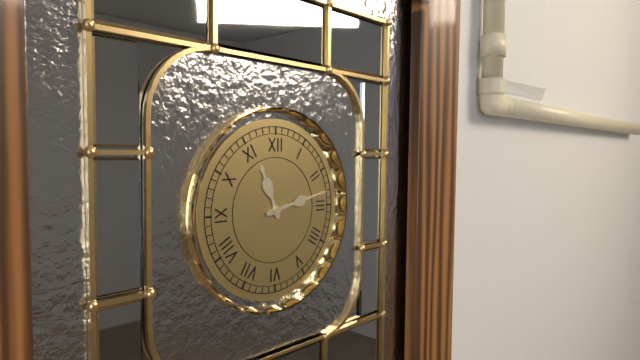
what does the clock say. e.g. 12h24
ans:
11h13
